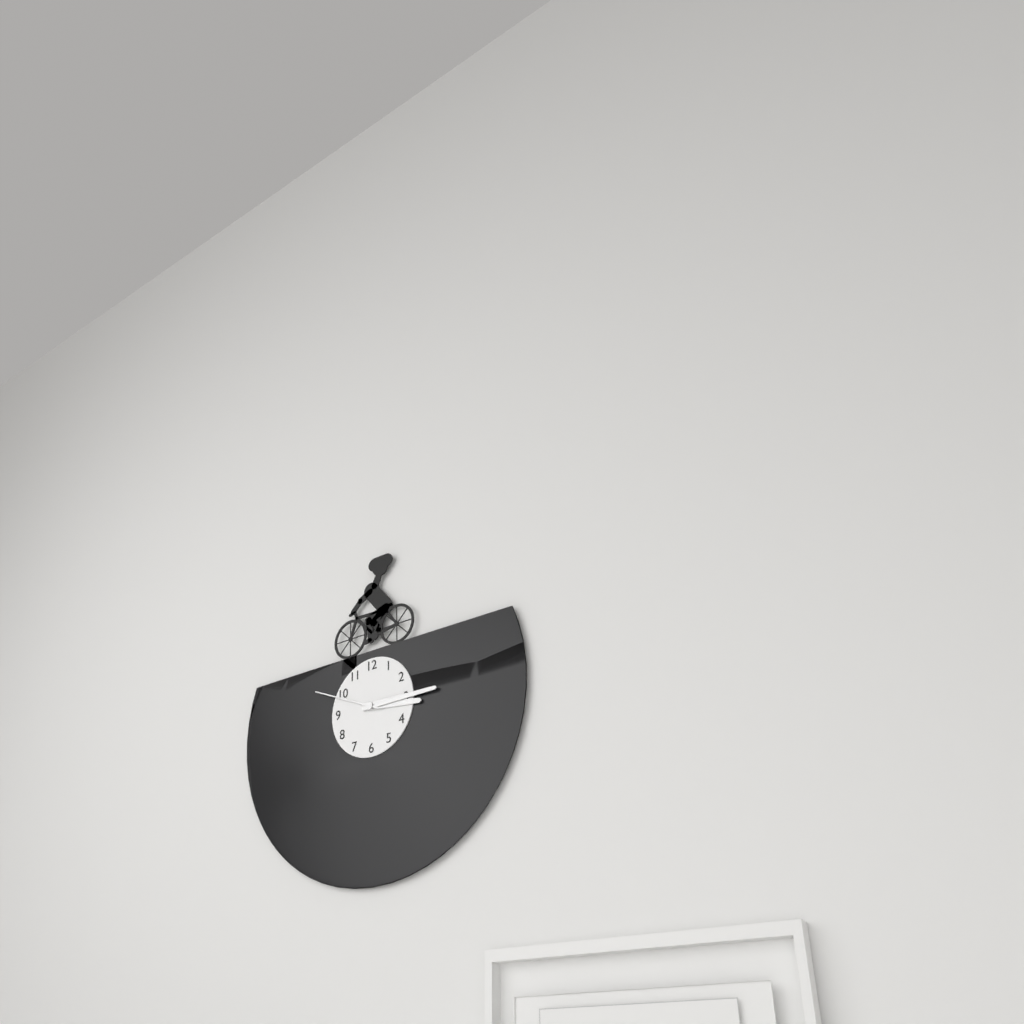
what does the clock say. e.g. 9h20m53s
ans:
3h15m49s
